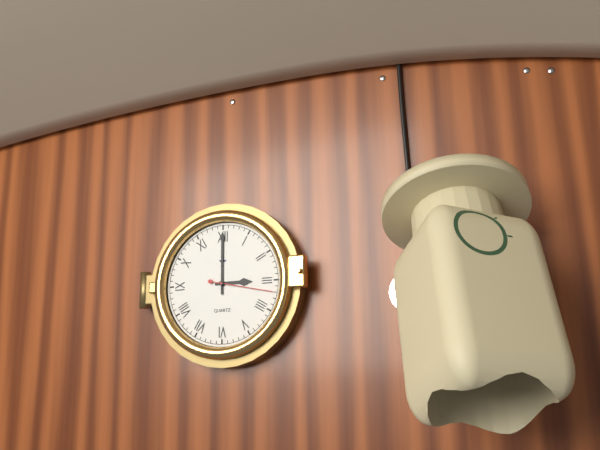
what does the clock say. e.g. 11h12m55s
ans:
3h00m17s
